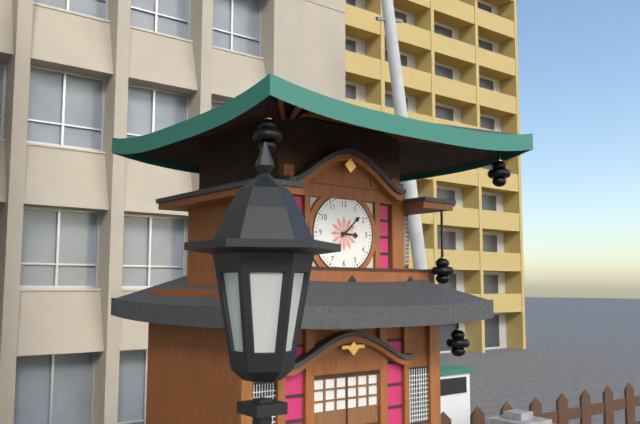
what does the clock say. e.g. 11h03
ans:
3h08
